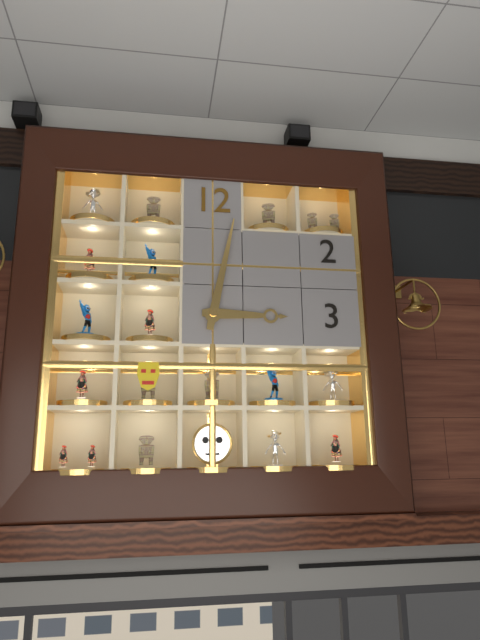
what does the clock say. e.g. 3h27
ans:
3h02
